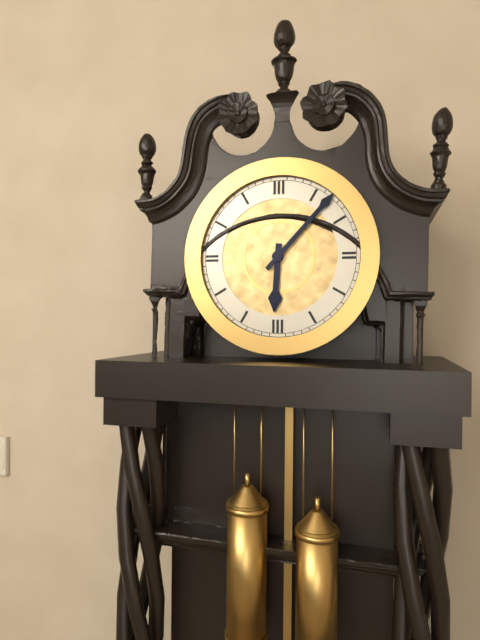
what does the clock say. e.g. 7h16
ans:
6h07
